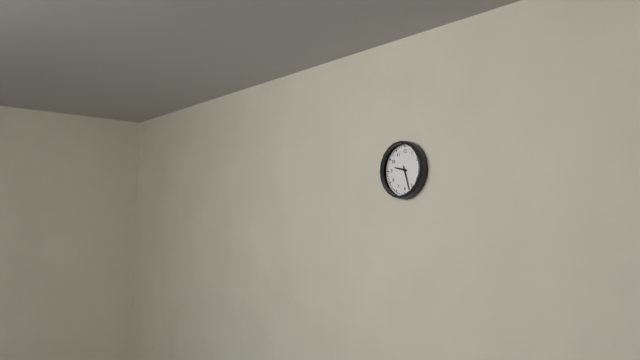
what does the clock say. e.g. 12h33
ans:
9h27
